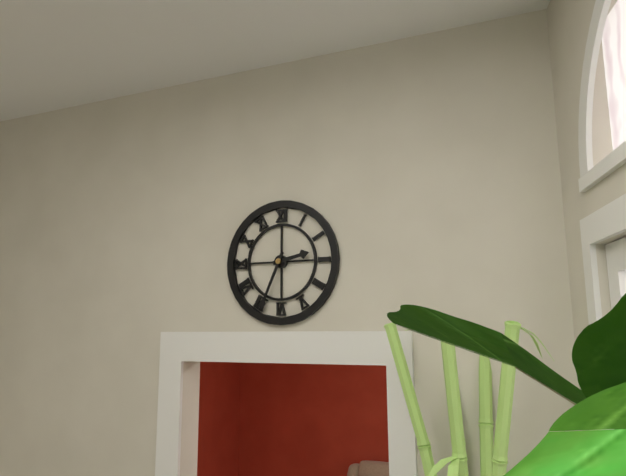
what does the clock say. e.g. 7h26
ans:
2h34
